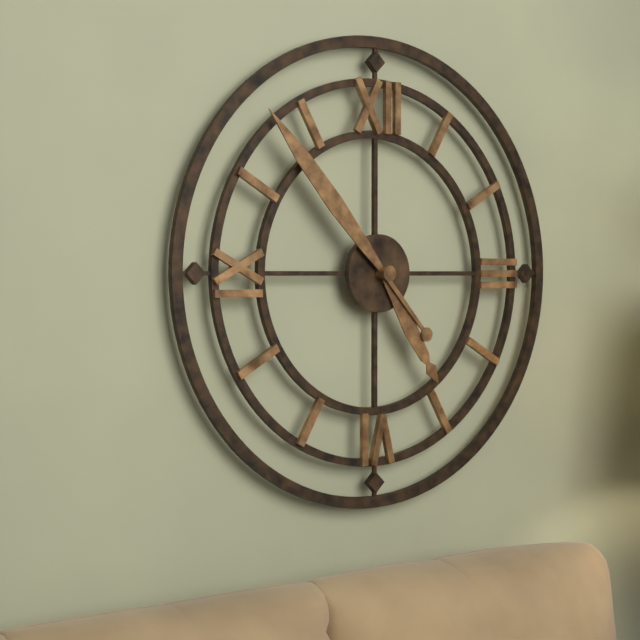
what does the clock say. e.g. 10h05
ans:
4h53
